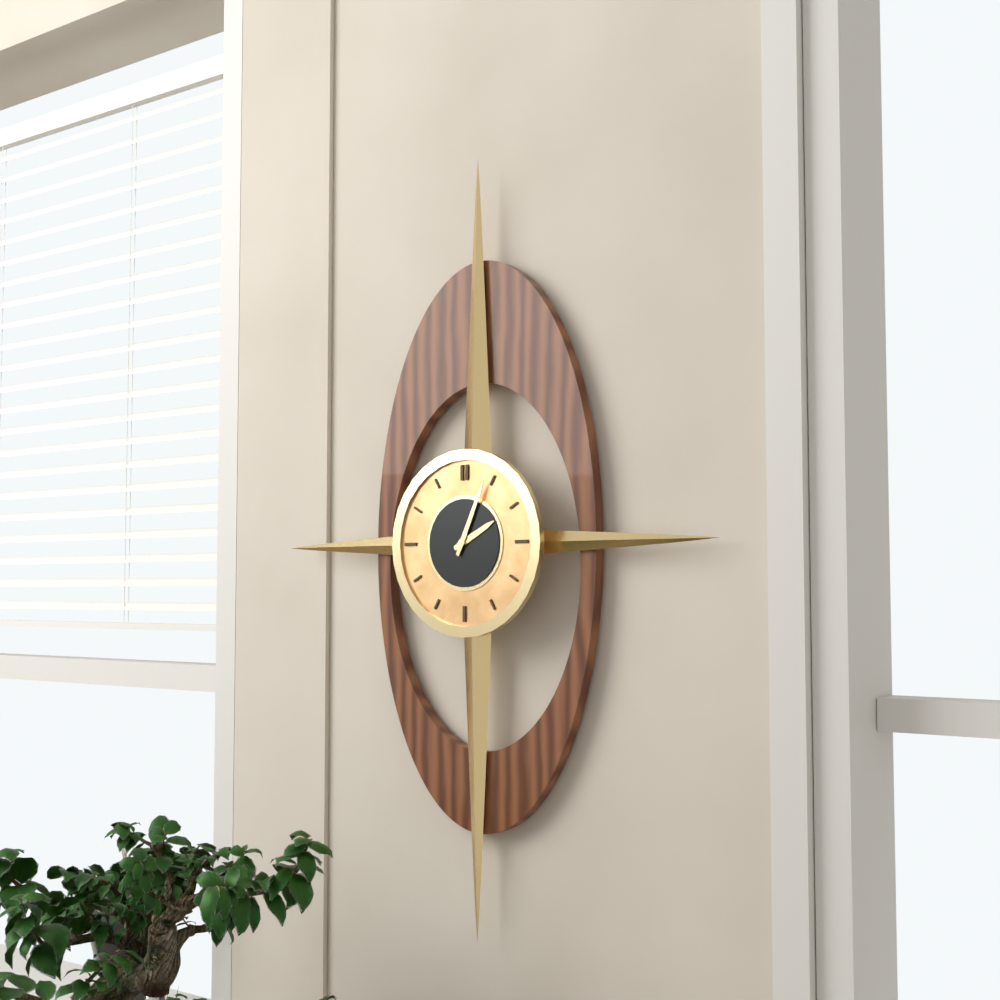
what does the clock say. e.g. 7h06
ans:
2h04
